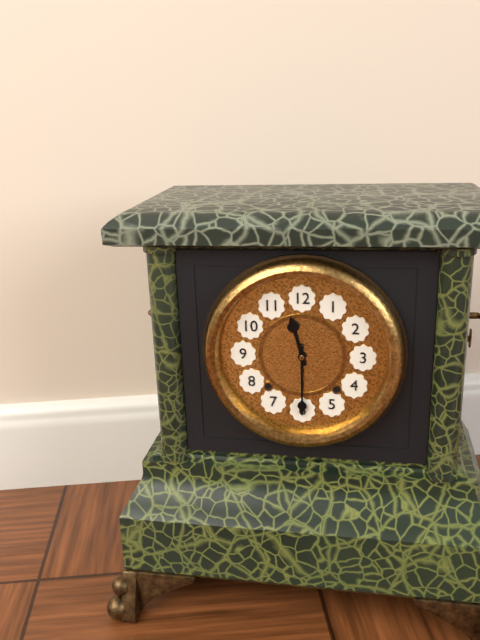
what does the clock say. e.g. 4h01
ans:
11h30
